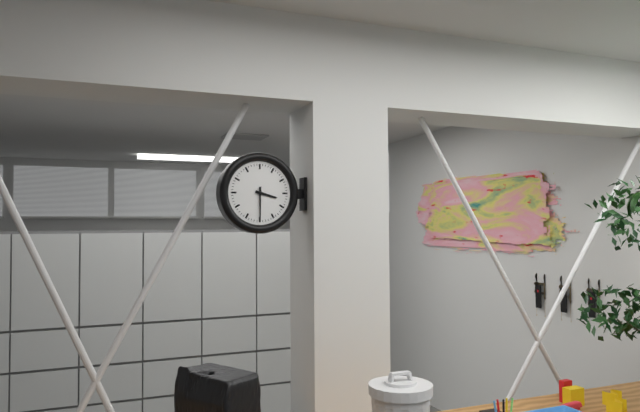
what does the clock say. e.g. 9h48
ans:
3h30
